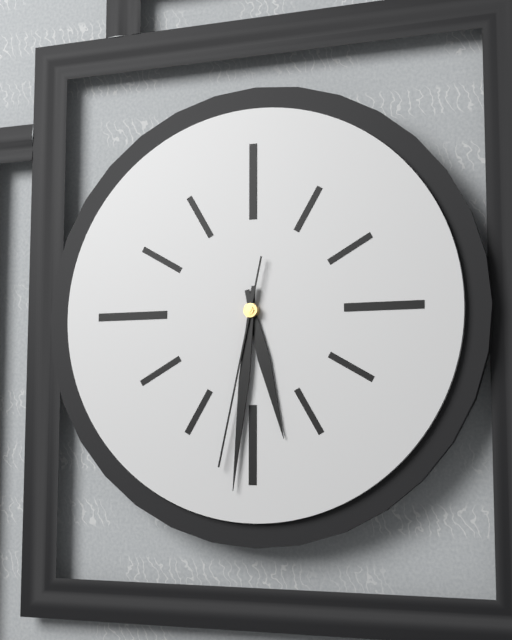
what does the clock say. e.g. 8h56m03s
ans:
5h31m32s
